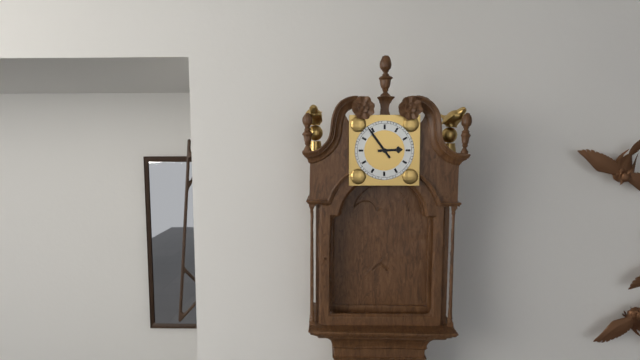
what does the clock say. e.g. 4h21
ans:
2h54
